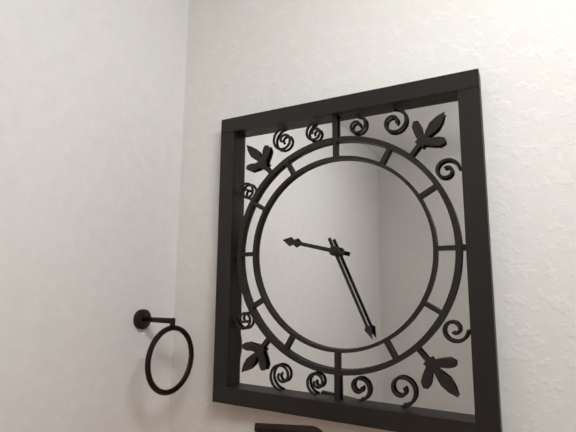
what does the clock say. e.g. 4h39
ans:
9h26
